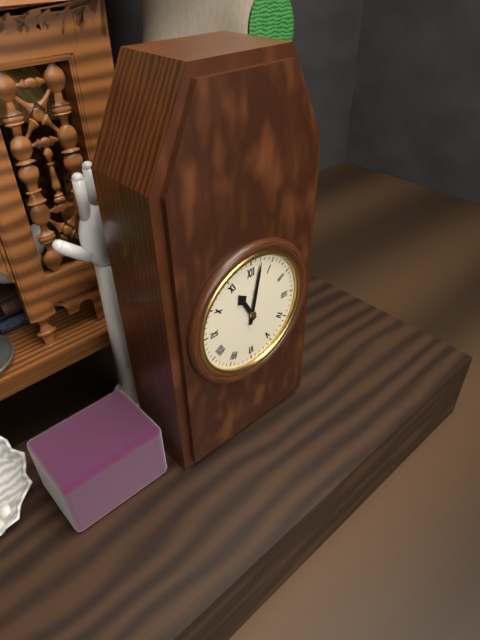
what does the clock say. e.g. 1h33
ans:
11h02
